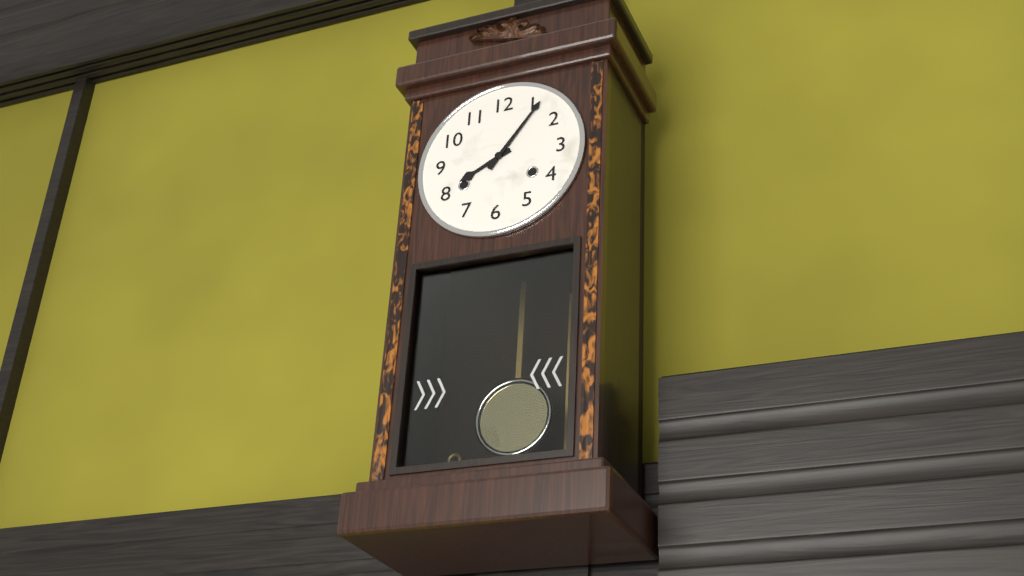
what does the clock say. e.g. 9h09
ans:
8h06
